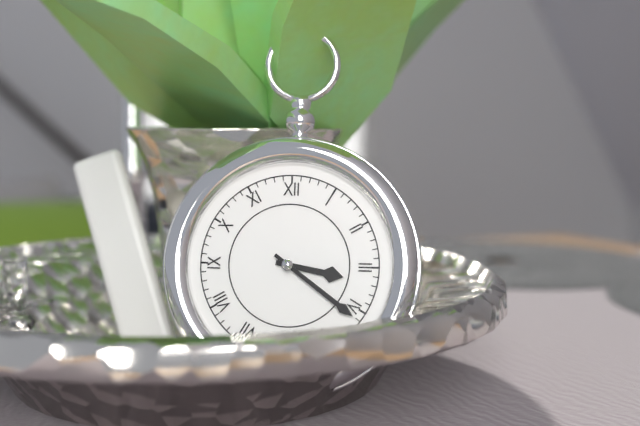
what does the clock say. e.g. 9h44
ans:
3h21
